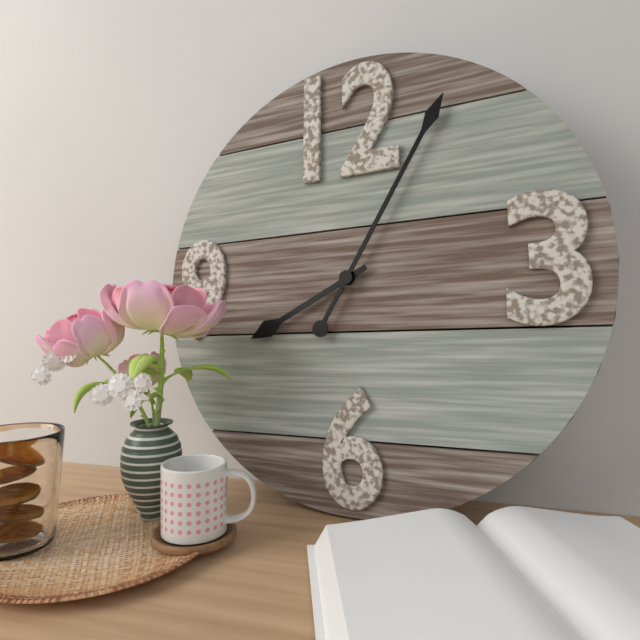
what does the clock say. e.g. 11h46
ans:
8h05
